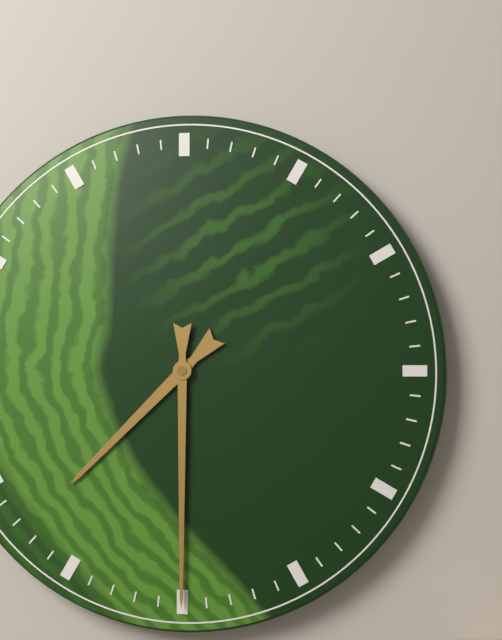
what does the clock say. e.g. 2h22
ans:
7h30
